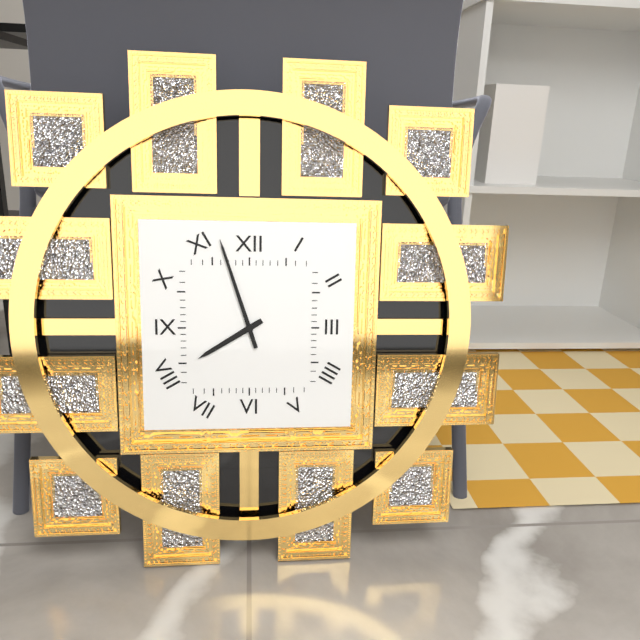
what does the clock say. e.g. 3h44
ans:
7h57
